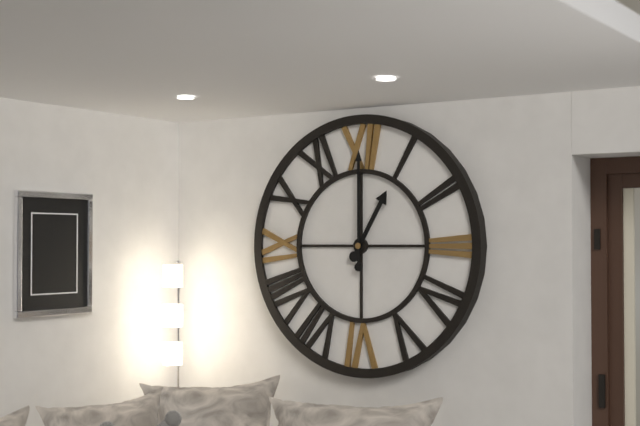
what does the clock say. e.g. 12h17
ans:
1h00
